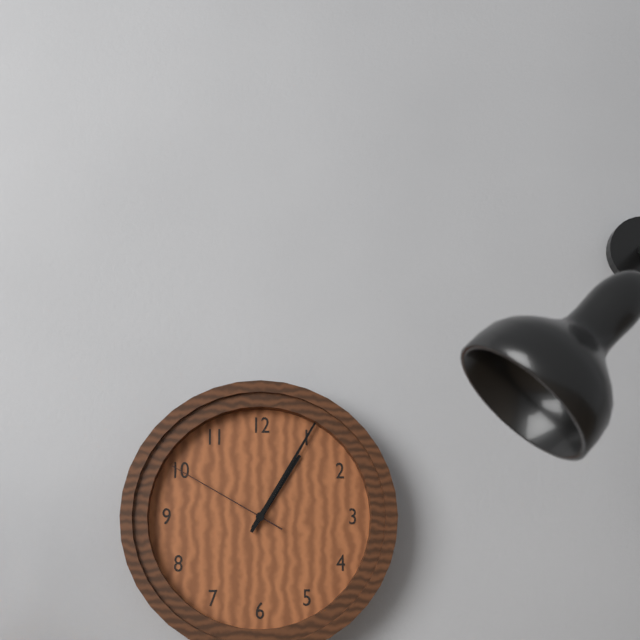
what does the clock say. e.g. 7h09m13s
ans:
1h05m50s
